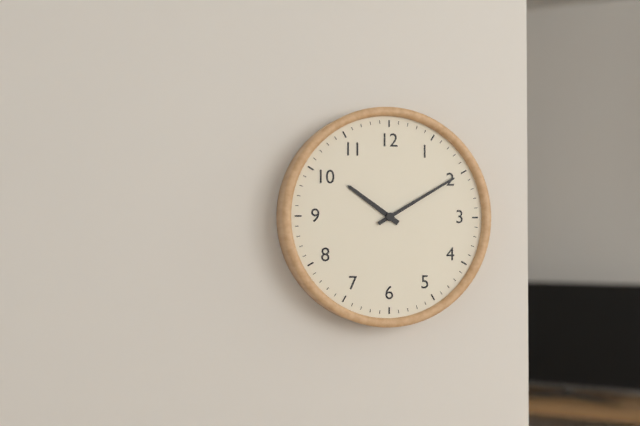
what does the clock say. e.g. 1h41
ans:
10h10
